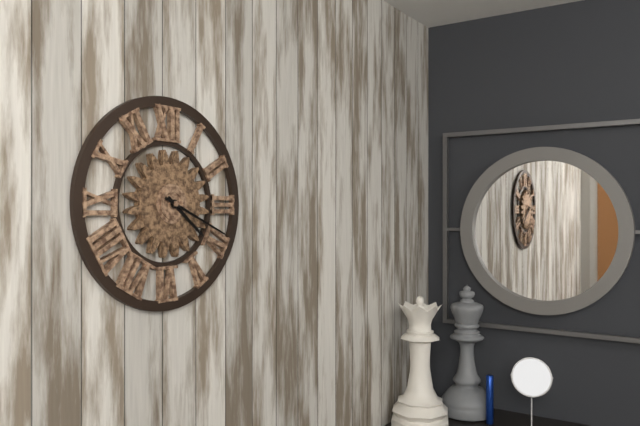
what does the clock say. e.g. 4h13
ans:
4h19
